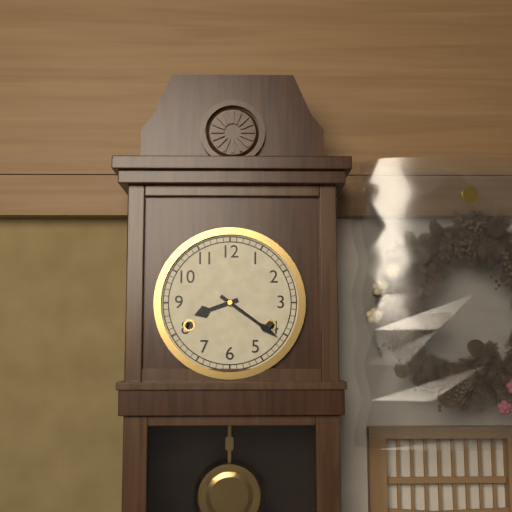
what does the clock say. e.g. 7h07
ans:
8h21
